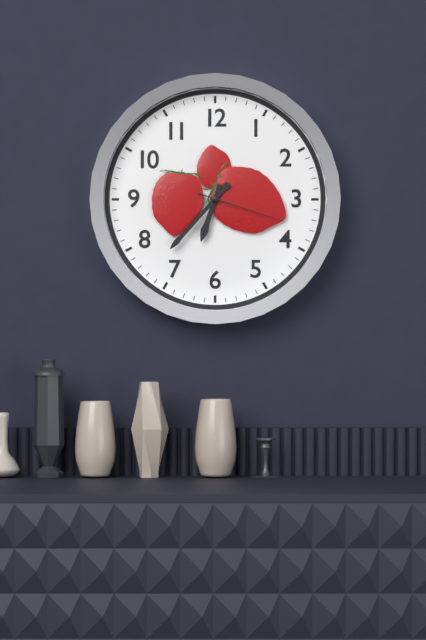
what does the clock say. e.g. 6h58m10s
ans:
6h37m18s
